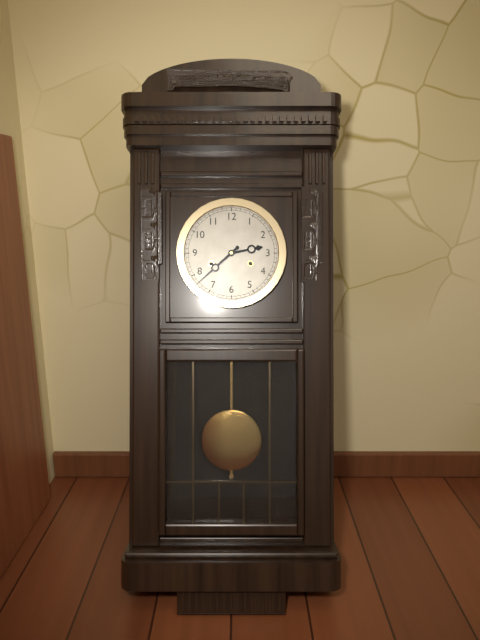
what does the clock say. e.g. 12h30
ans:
2h38
